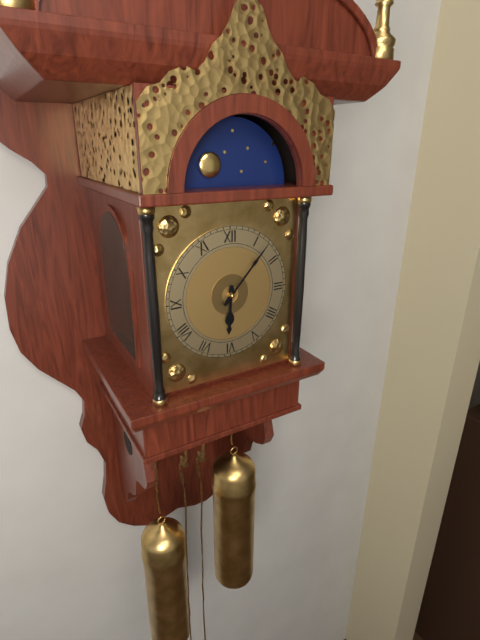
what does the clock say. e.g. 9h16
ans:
6h07
